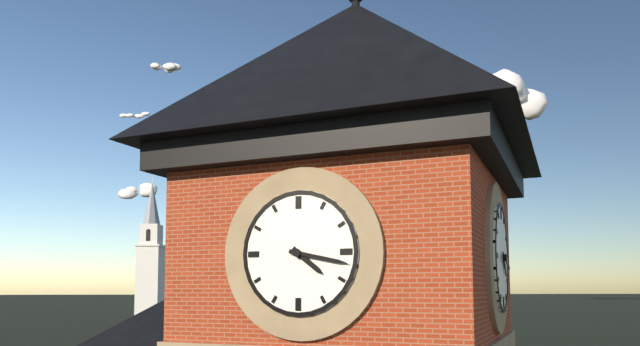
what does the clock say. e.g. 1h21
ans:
4h17
